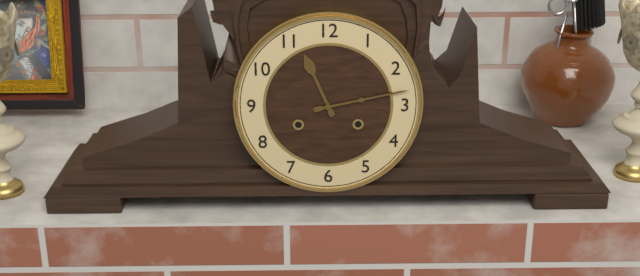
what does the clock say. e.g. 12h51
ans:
11h13
